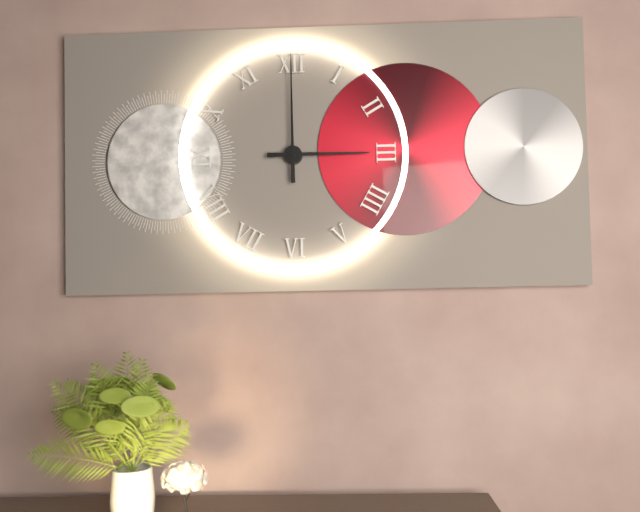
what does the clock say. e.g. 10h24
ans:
3h00
